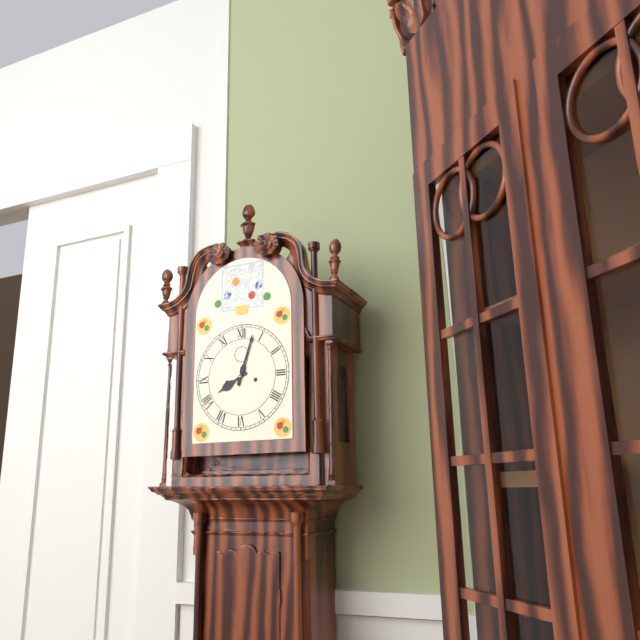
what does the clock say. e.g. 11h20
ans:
8h03
